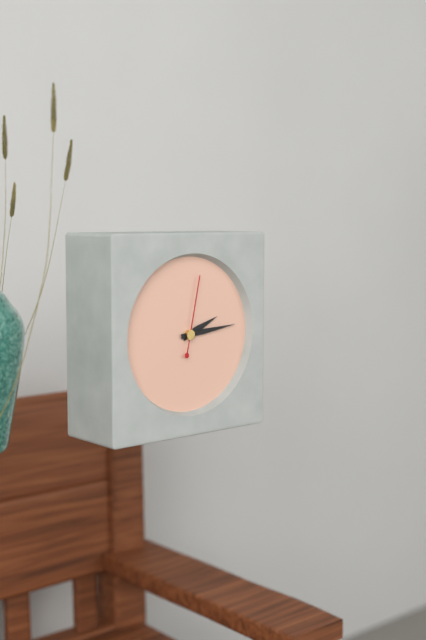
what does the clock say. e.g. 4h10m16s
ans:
2h14m02s
